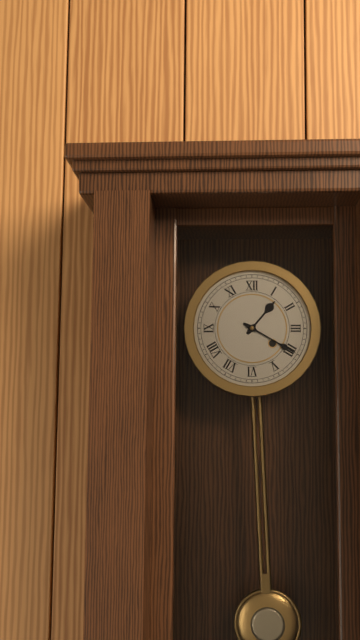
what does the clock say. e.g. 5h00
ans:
1h20
